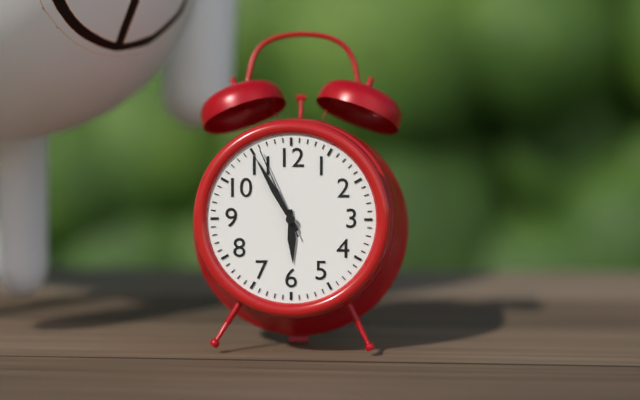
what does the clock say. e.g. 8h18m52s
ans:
5h55m56s
